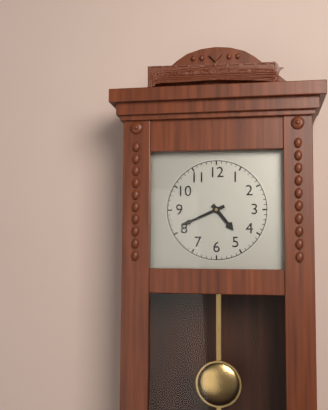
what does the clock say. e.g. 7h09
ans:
4h41
